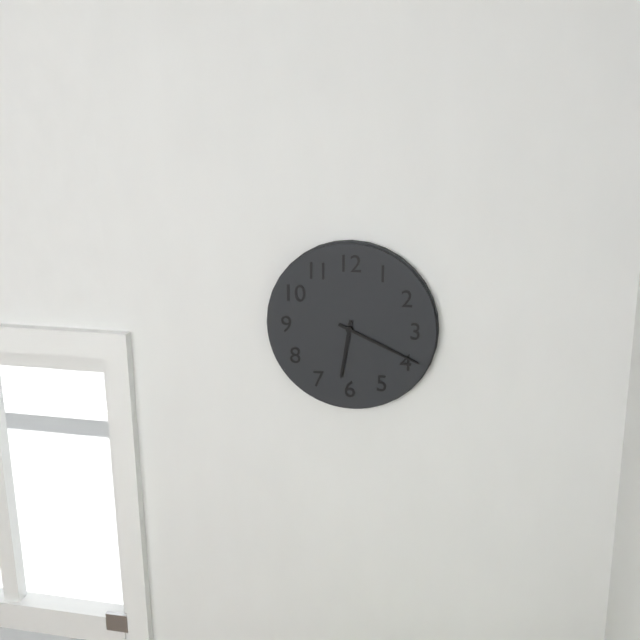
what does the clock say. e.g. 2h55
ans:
6h19
